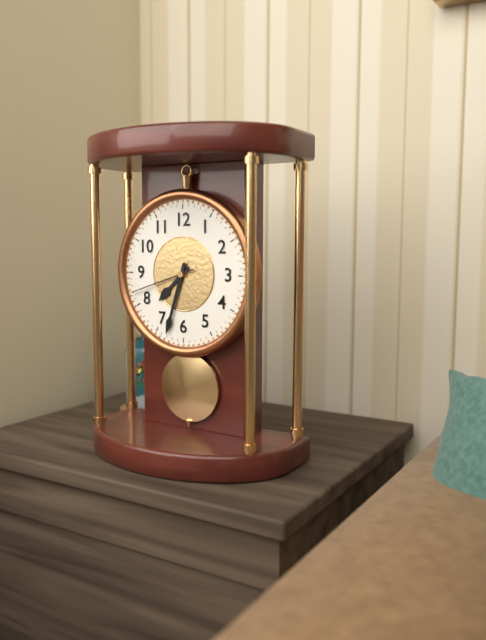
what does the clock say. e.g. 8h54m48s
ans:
7h33m42s
